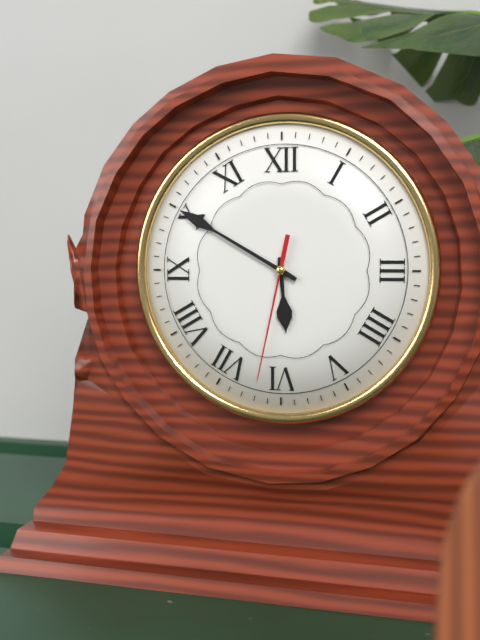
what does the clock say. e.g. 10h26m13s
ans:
5h50m32s
